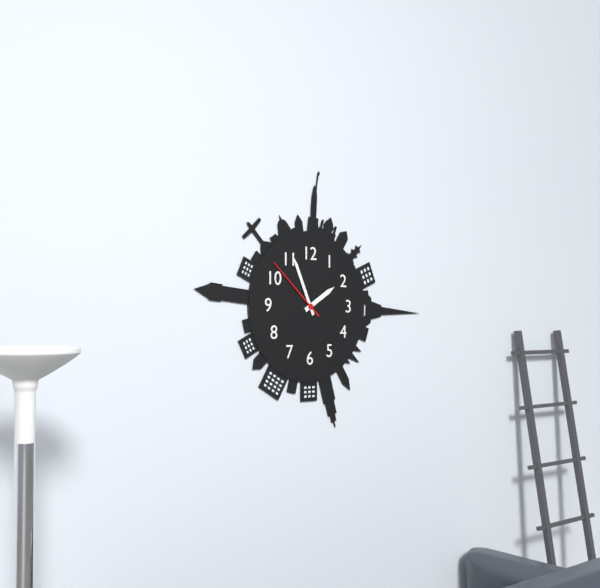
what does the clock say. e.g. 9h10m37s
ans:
1h56m52s
